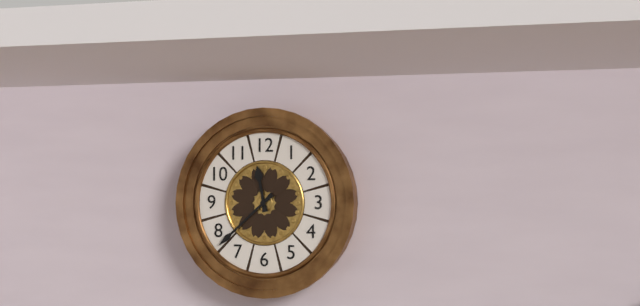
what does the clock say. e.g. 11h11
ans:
11h38
